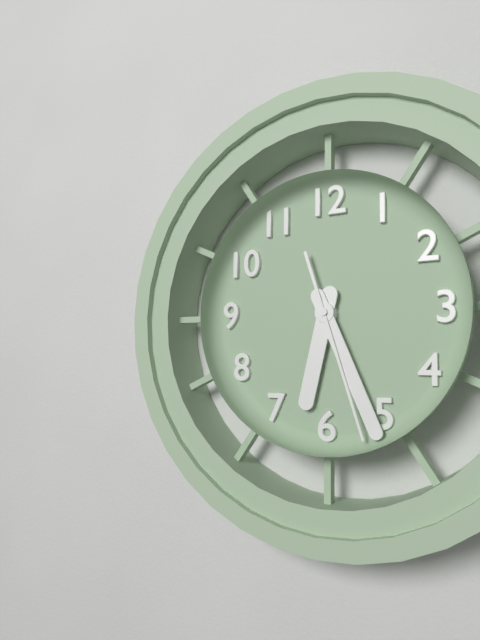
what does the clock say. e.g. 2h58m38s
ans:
6h26m27s
